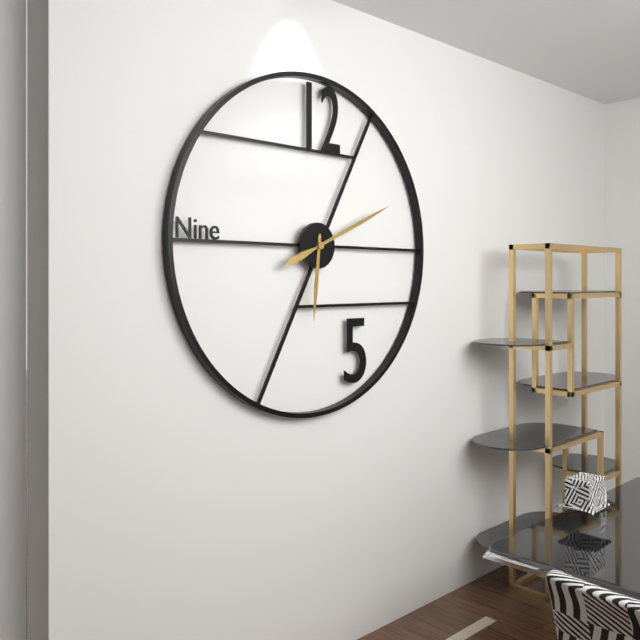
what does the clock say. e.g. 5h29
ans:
6h11
